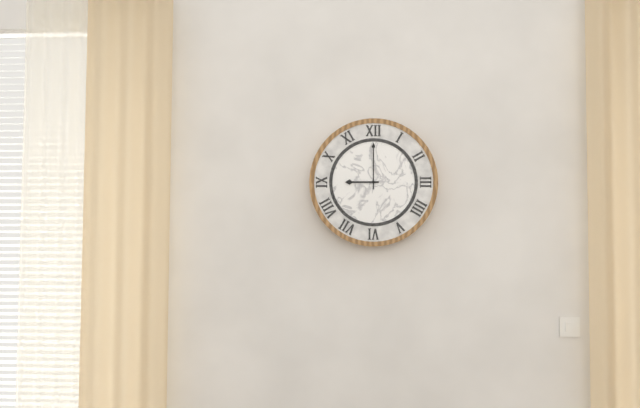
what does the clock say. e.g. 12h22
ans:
9h00
